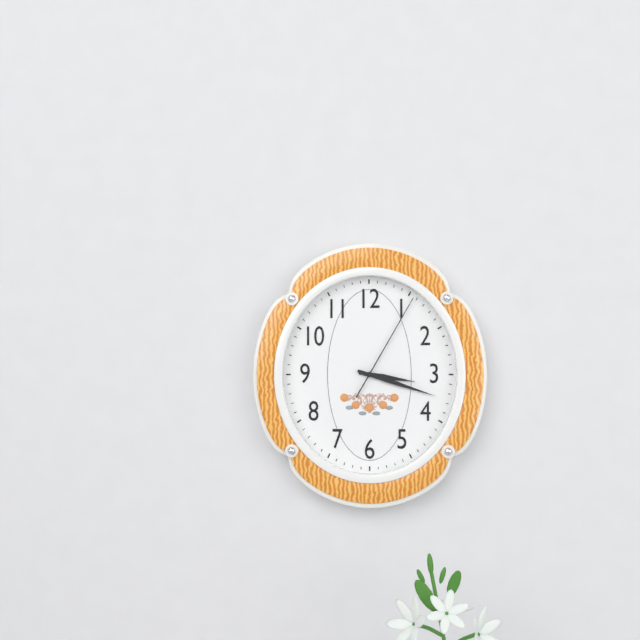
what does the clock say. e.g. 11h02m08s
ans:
3h18m05s
